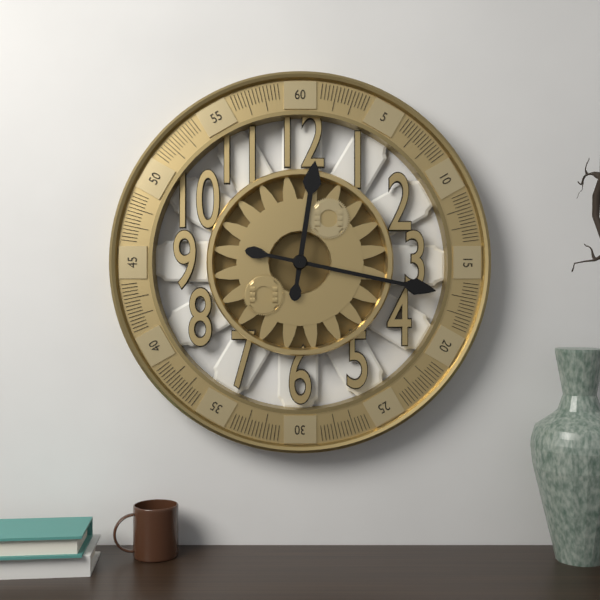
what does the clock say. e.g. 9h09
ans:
12h17
